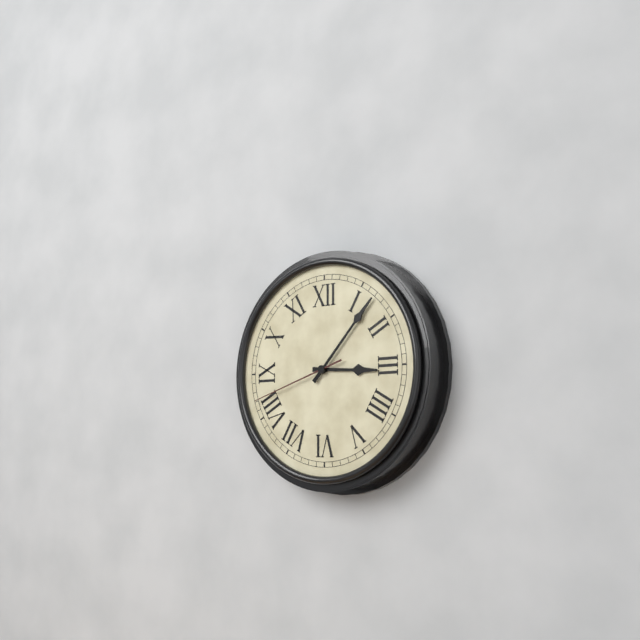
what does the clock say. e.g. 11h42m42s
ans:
3h07m42s
